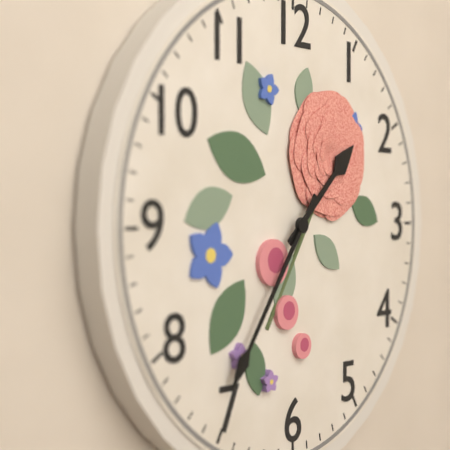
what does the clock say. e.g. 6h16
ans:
1h36
